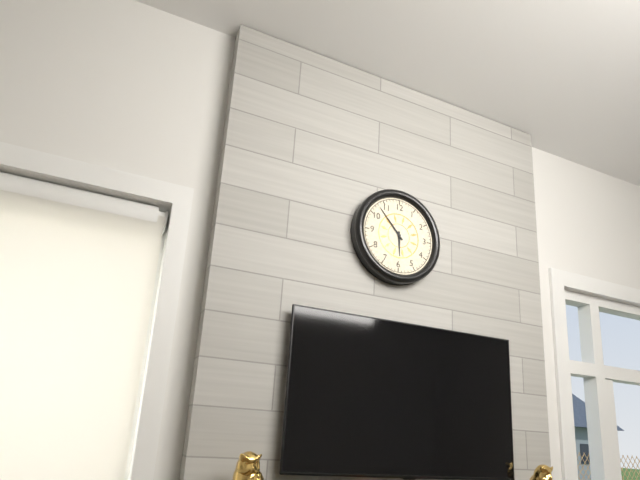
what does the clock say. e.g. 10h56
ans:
5h53
